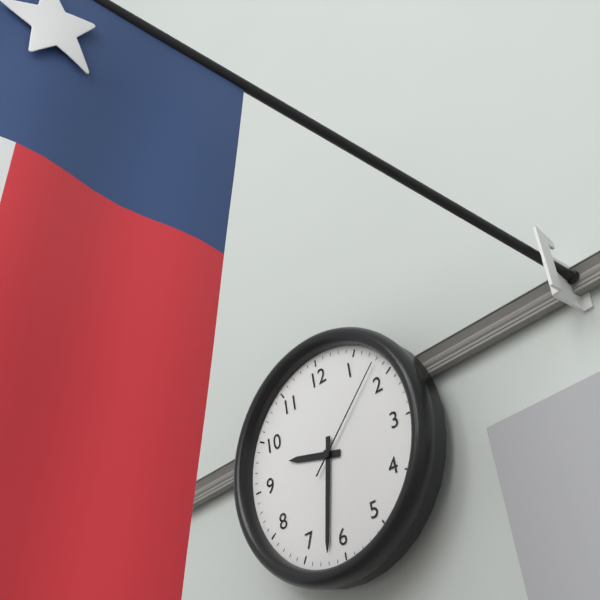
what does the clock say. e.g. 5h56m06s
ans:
9h32m08s
